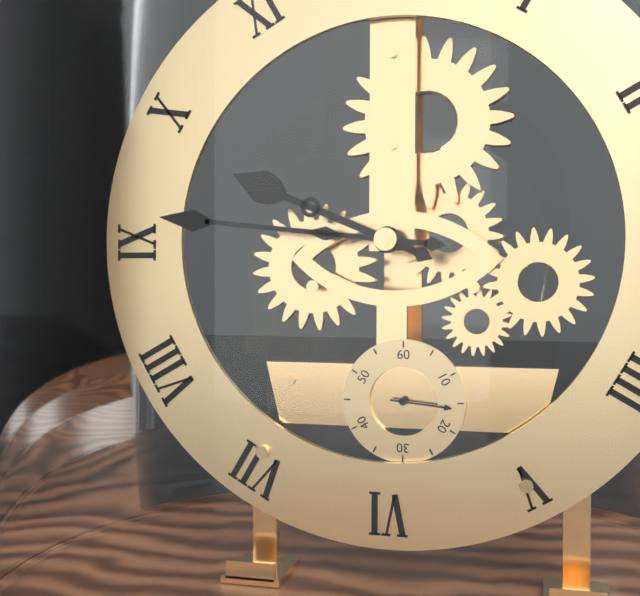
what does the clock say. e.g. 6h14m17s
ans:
9h46m16s
